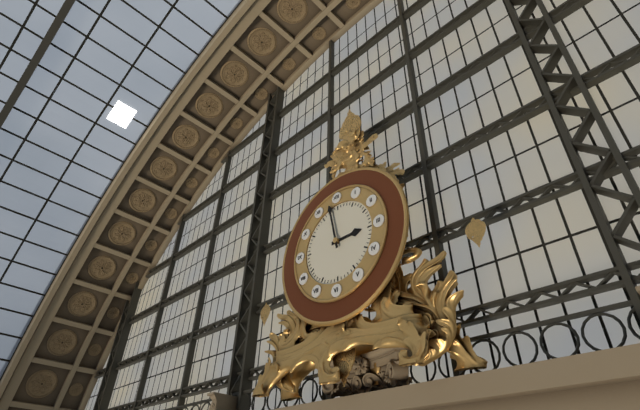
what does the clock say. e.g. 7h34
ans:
2h58
